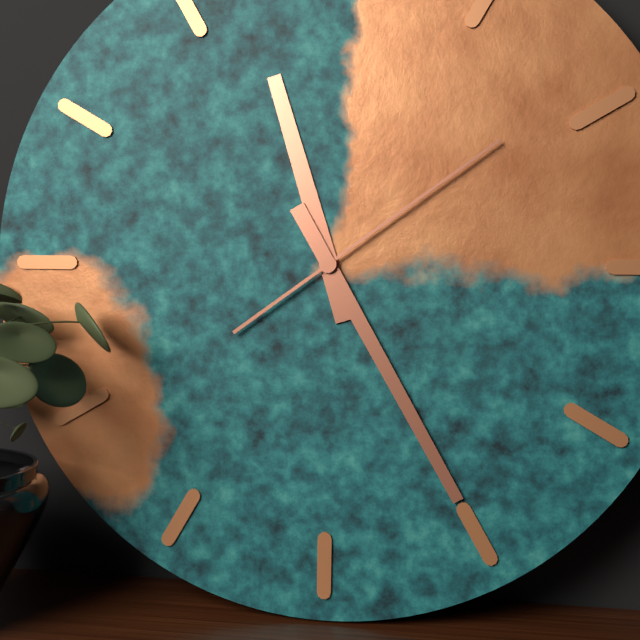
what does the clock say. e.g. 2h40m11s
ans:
11h25m09s
